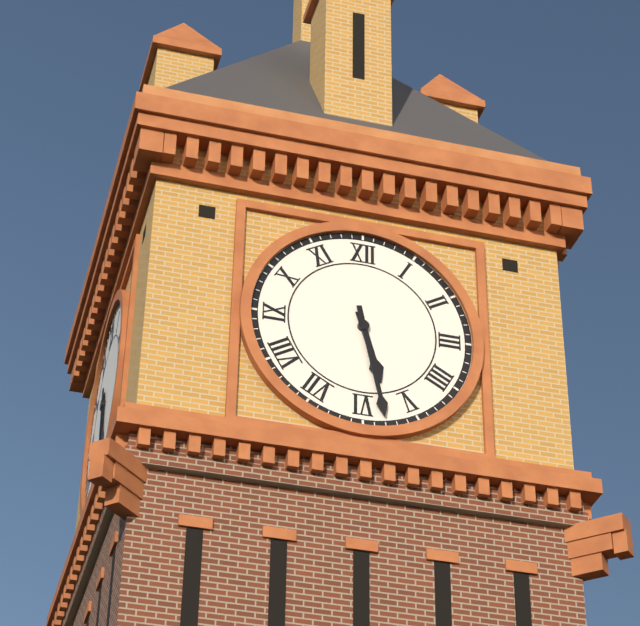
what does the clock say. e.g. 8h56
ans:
5h28
